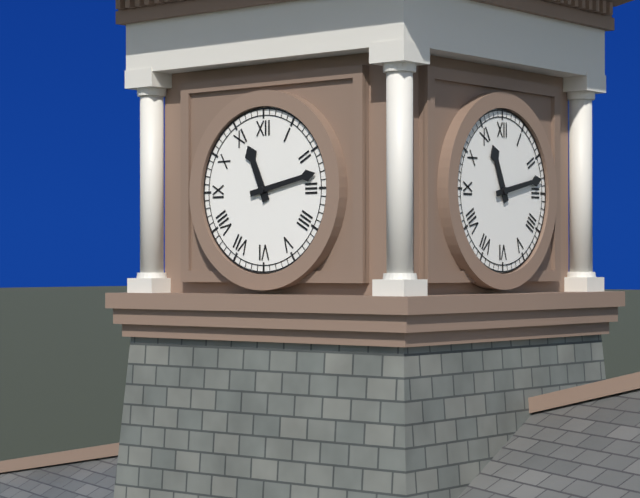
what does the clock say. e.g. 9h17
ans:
11h13
